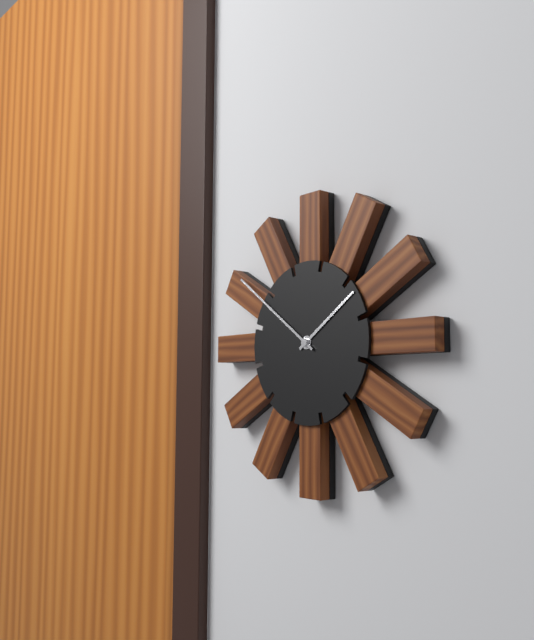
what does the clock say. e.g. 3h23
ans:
1h51
